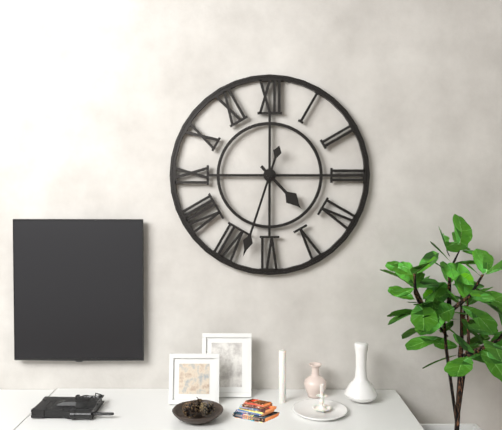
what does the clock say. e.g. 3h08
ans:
4h33
